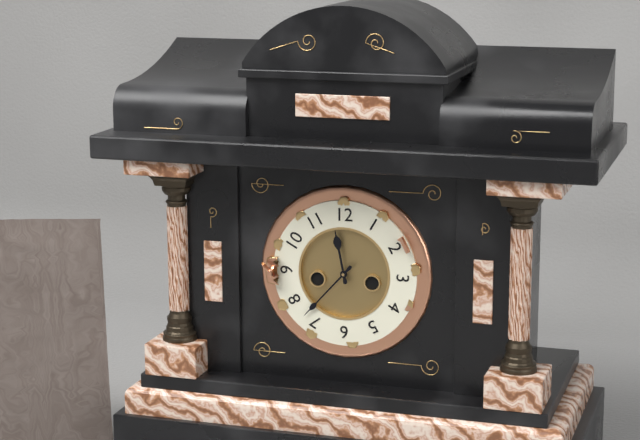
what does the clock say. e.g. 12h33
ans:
11h37
